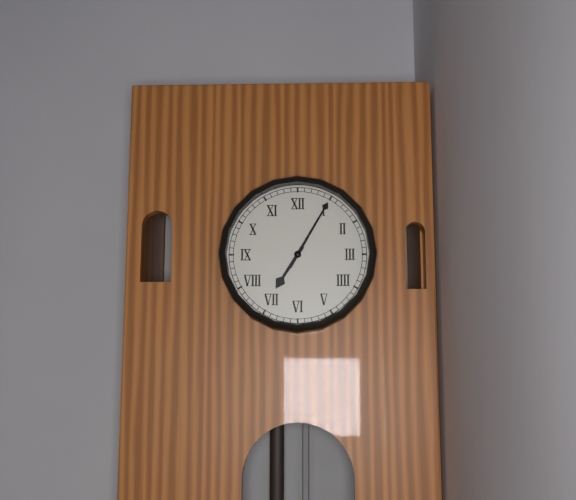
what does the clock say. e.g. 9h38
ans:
7h05
